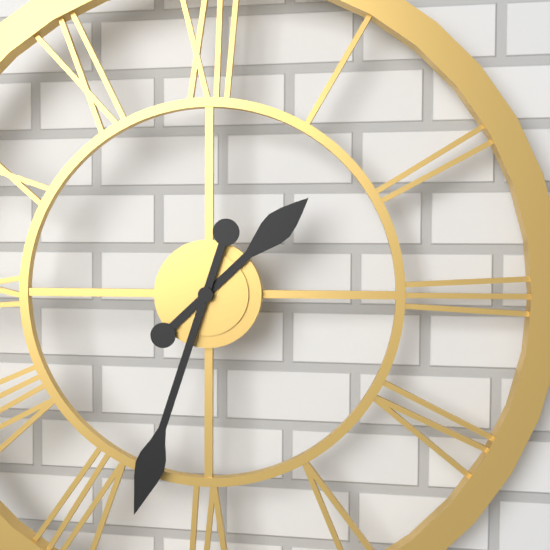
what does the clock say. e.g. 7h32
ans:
1h33
